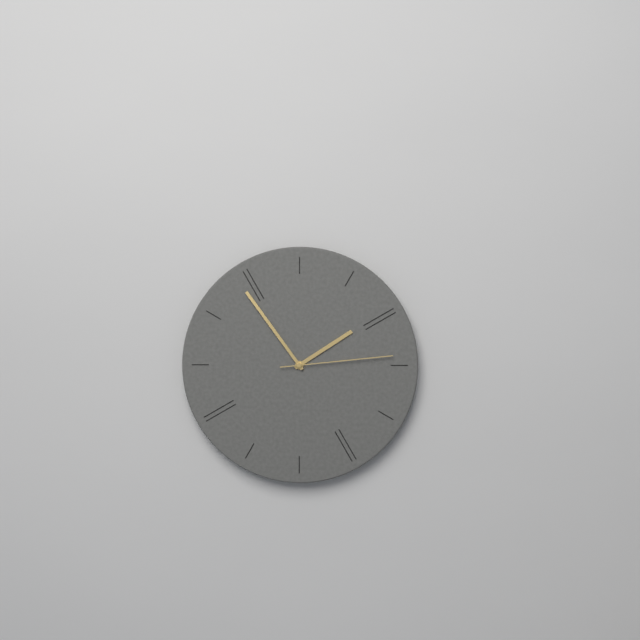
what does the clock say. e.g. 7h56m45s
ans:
1h54m14s
